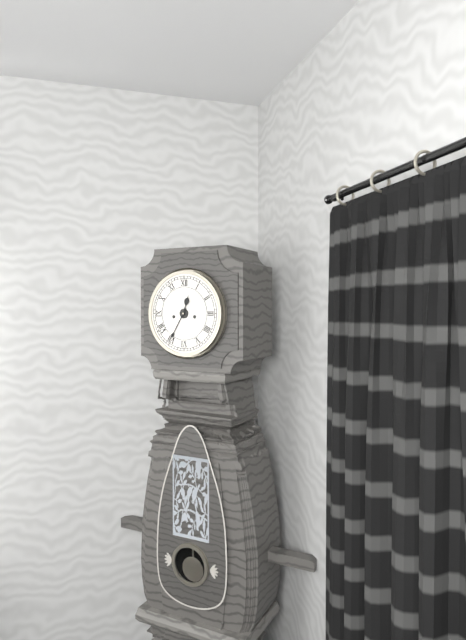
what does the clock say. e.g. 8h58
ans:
12h35
